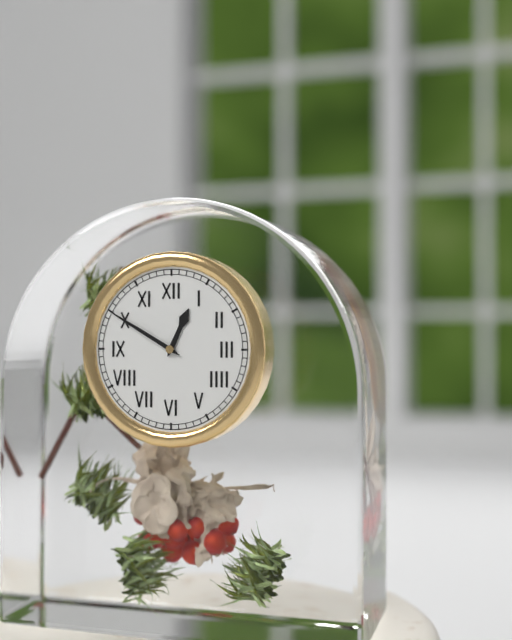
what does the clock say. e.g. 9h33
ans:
12h50
